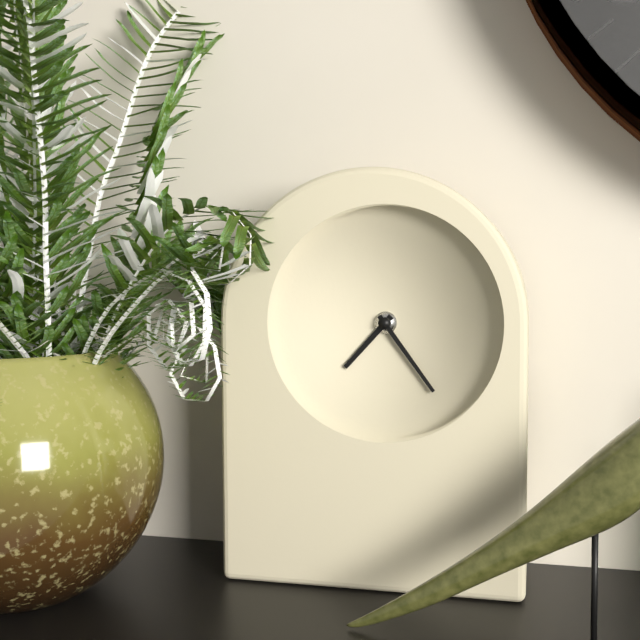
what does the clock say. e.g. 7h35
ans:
7h24
